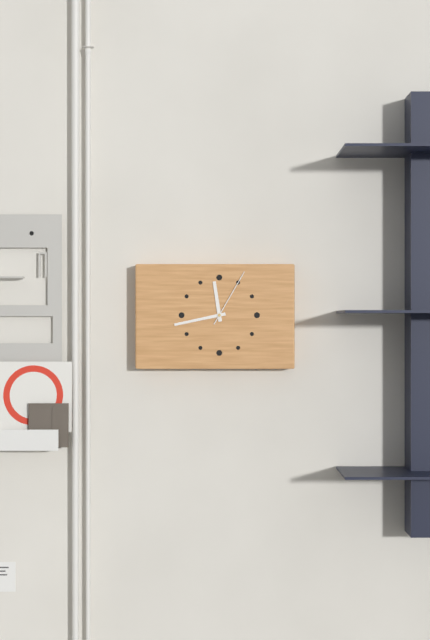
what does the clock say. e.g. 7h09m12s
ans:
11h43m05s
